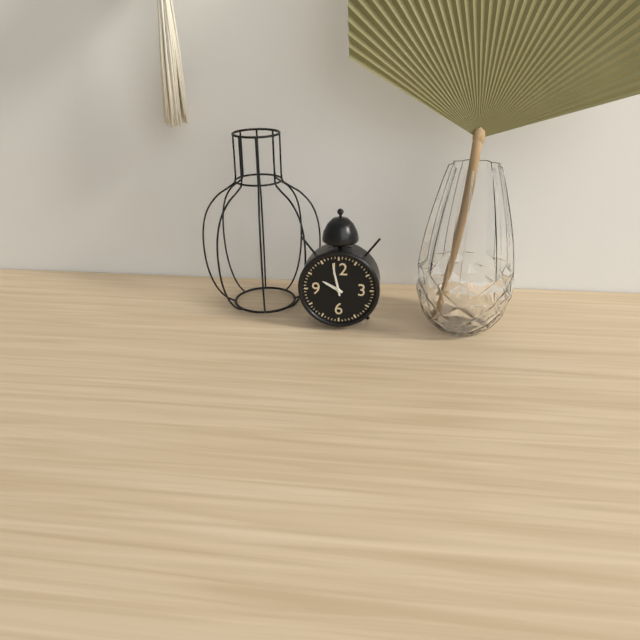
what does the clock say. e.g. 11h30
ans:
9h58
